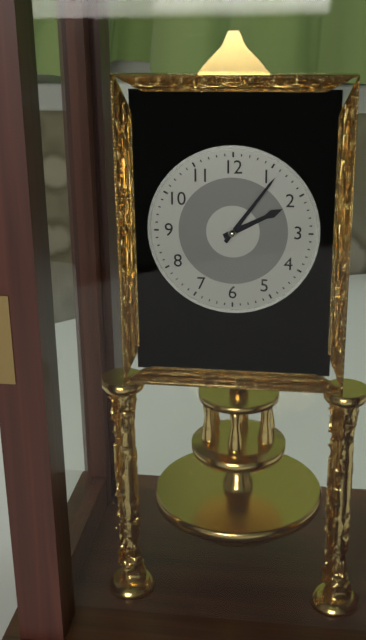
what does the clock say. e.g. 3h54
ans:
2h06
